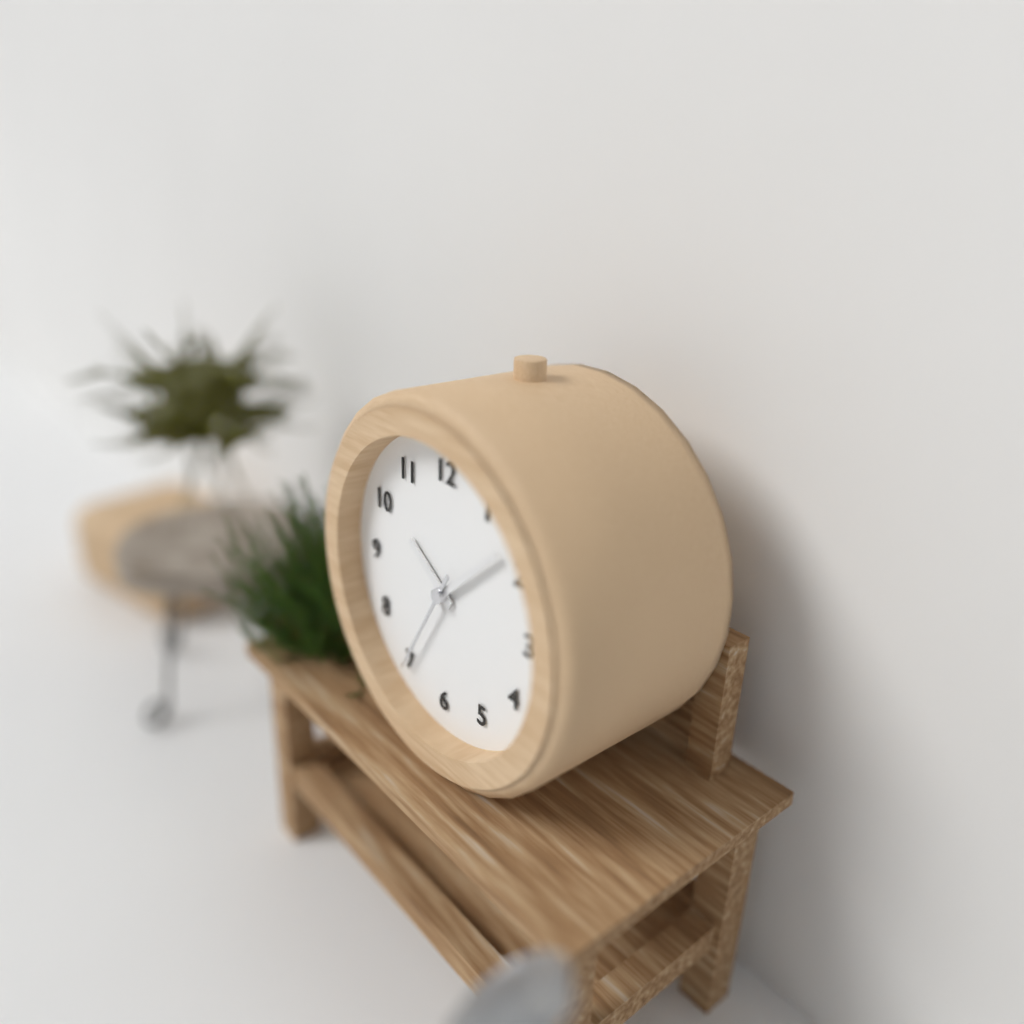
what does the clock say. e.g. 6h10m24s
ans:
10h08m35s
